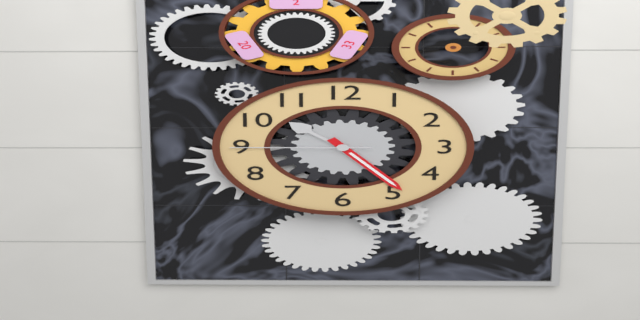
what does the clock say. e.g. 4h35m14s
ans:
10h24m45s
